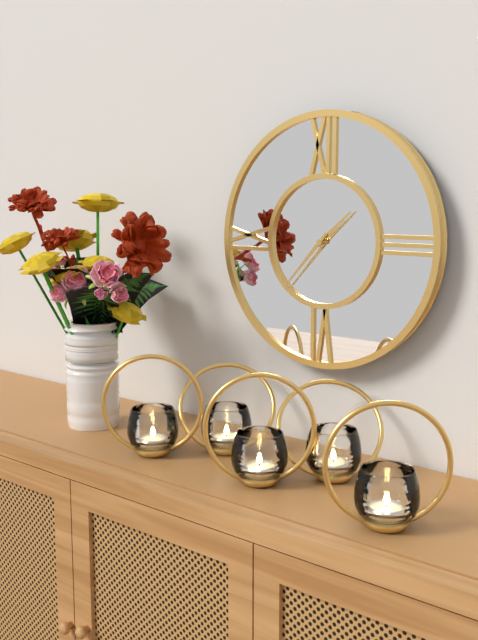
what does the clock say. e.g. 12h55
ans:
1h37
